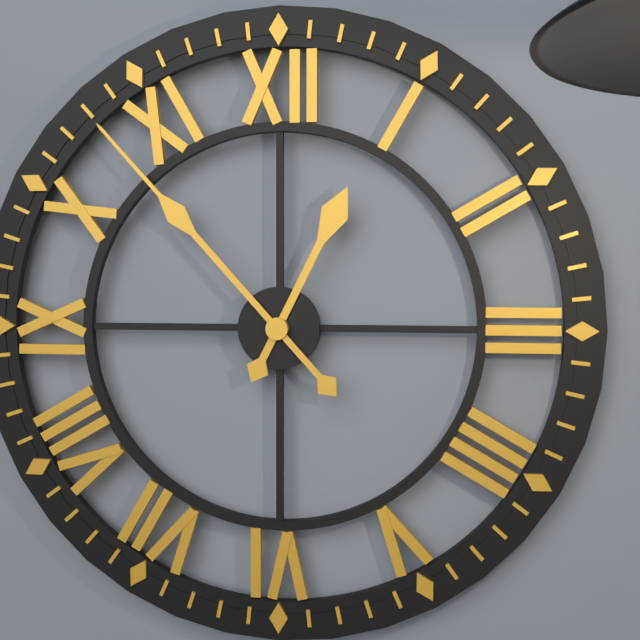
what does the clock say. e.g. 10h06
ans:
12h53
